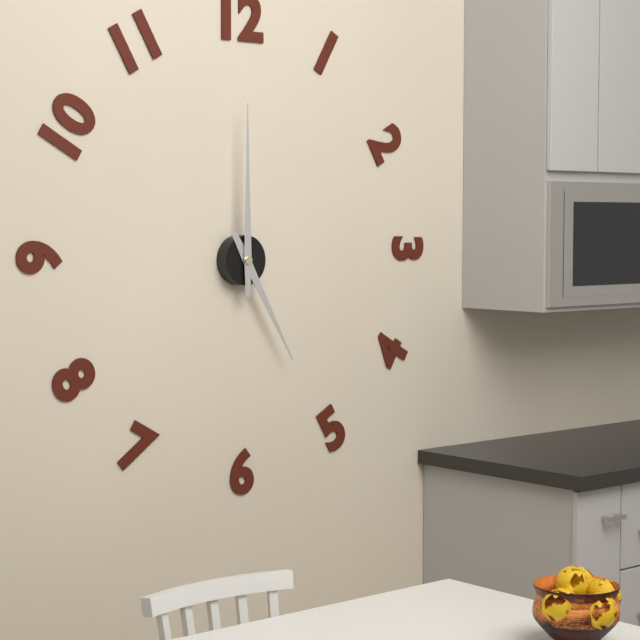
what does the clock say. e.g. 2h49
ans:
5h00
